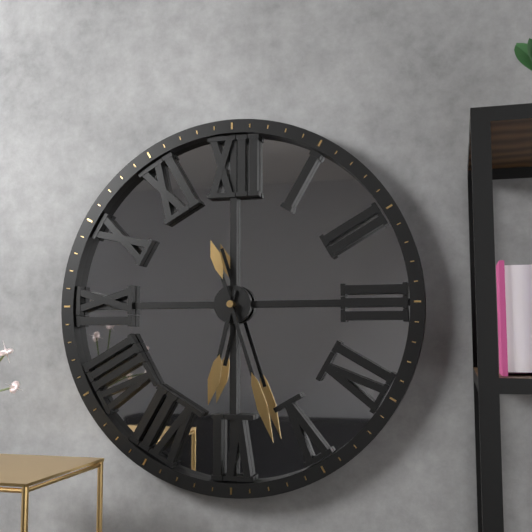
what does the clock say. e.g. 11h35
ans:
6h27
